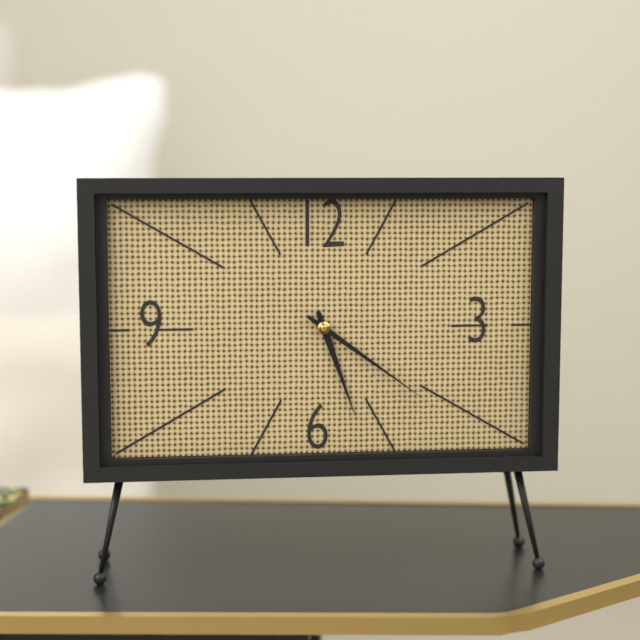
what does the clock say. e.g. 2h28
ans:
5h21
